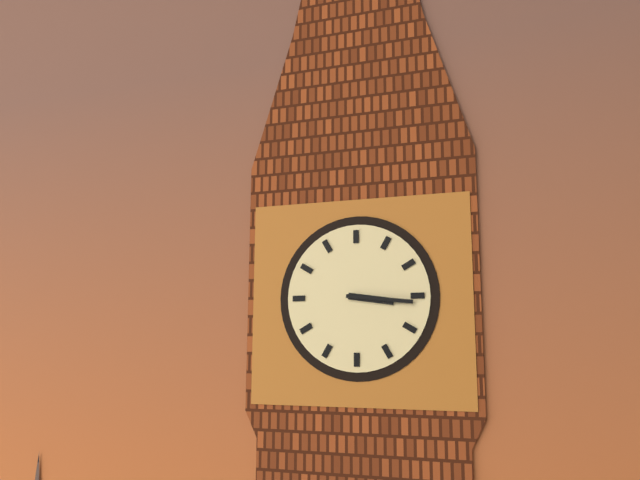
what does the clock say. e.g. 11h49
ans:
3h16
